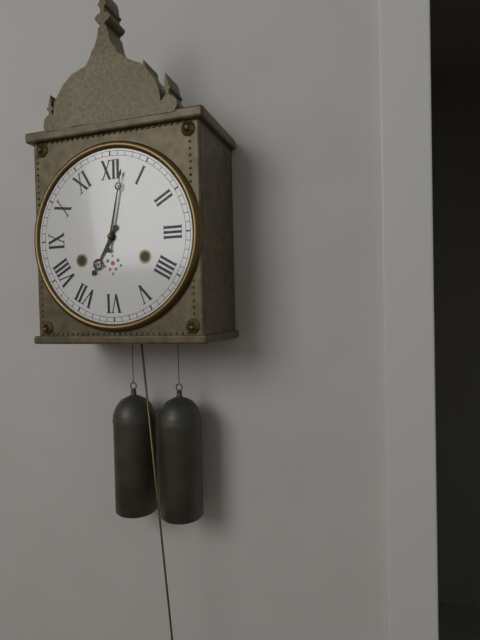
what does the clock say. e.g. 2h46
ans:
7h02
